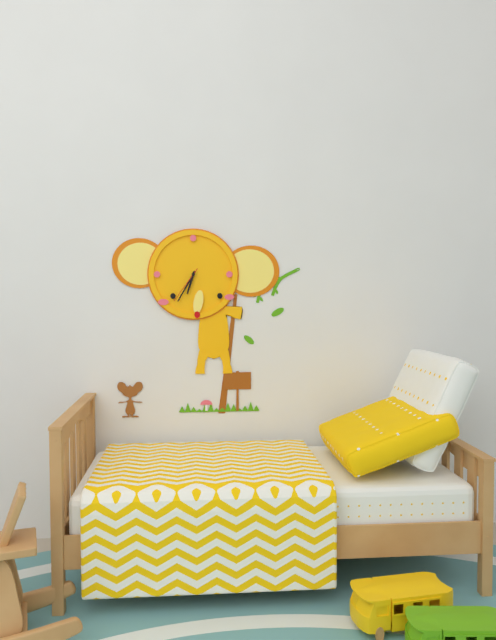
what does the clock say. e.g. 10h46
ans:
6h35
